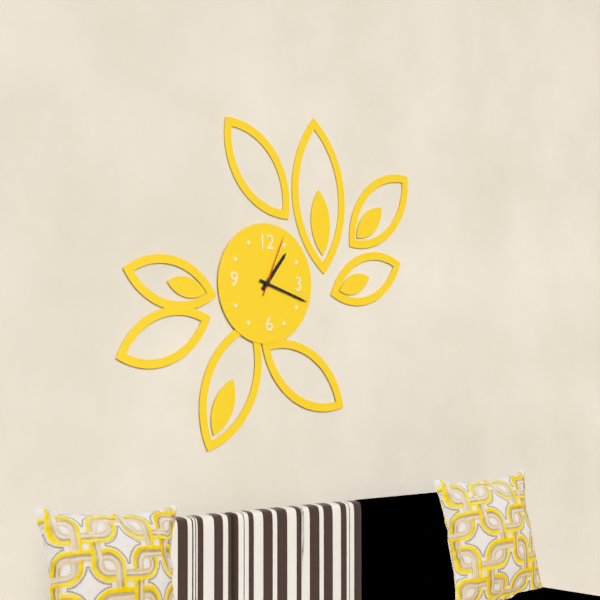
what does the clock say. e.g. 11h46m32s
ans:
1h18m04s
